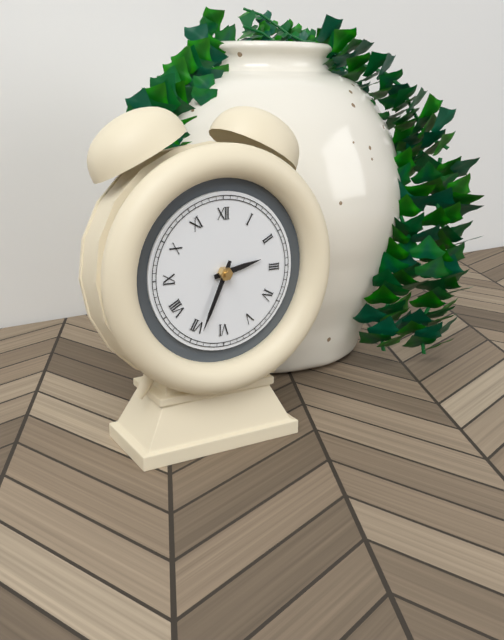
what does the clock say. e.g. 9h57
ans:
2h34
